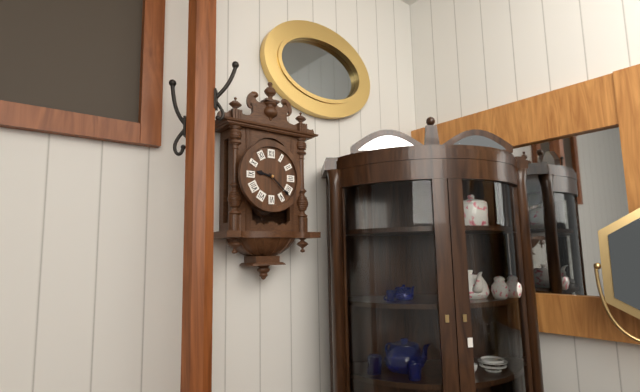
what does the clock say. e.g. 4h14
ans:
9h22
